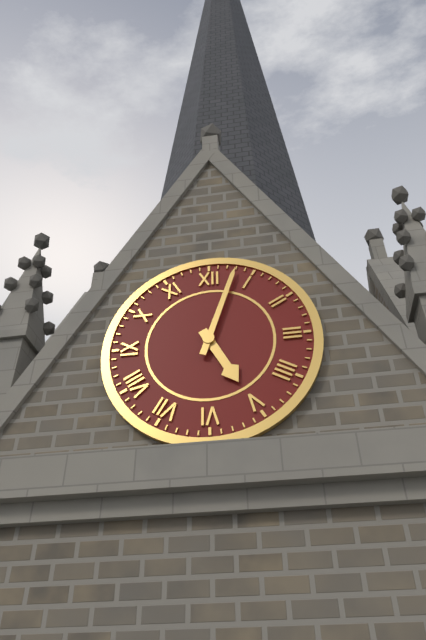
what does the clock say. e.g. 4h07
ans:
5h03
